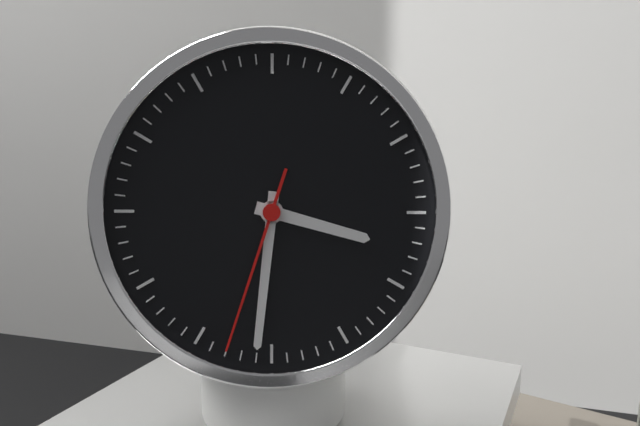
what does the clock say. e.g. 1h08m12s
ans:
3h31m33s
